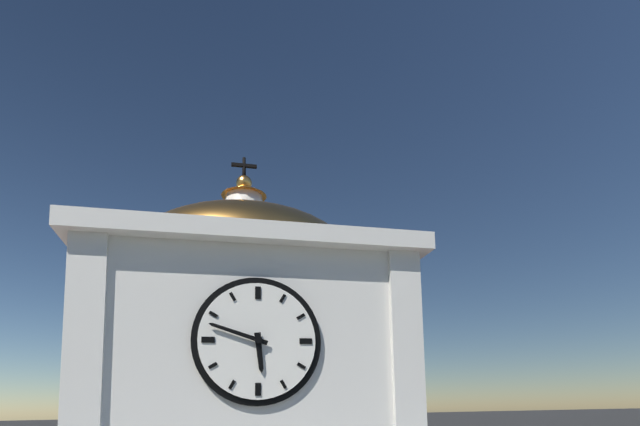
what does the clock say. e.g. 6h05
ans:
5h48
